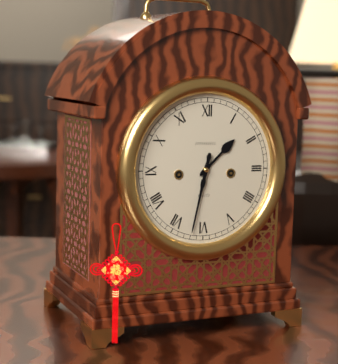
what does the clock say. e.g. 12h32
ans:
1h32
